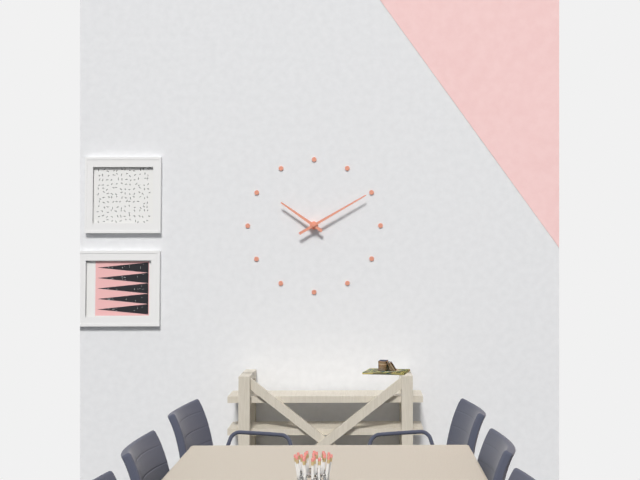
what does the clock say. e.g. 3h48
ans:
10h10
